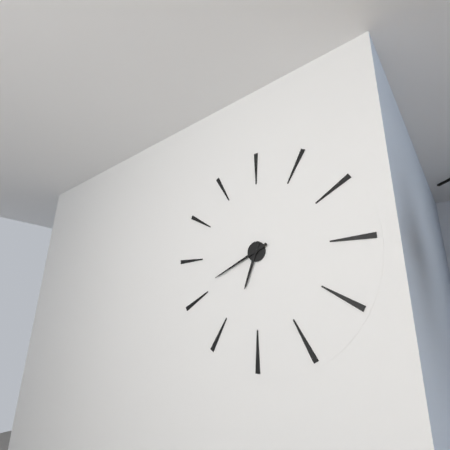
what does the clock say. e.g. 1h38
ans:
6h41
